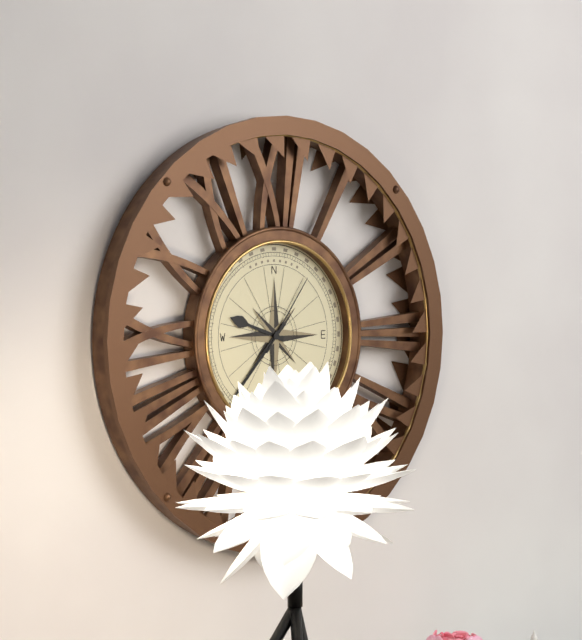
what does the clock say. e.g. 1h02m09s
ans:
9h37m06s
